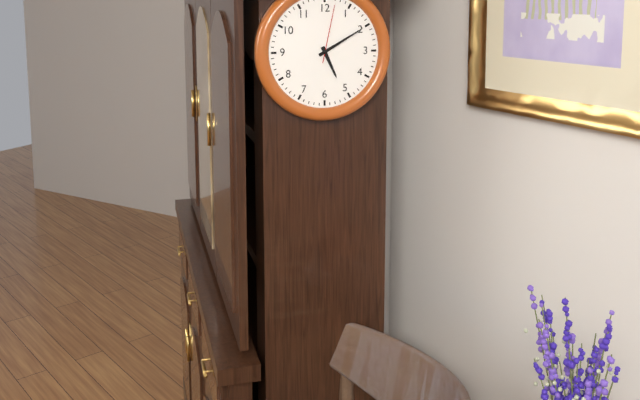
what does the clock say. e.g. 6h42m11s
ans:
5h10m02s
